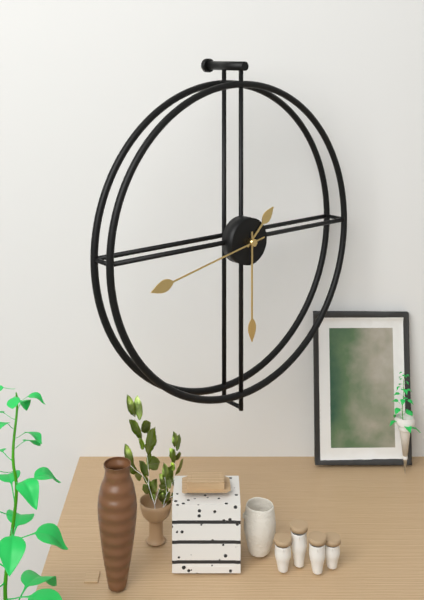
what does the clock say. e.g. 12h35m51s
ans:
1h30m43s
